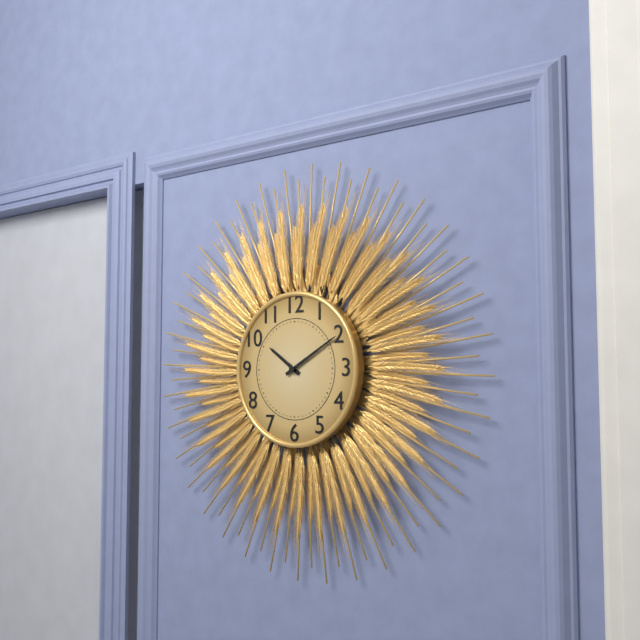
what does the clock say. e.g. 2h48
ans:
10h10
